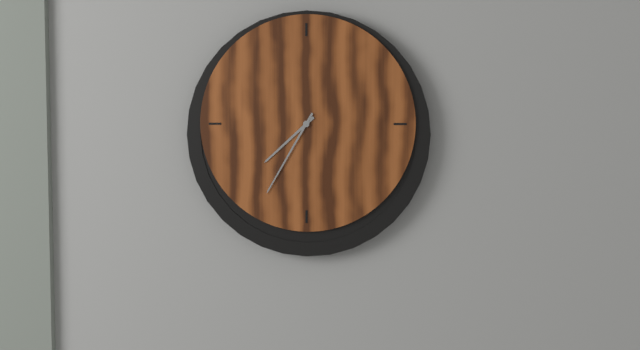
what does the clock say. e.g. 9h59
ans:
7h35
